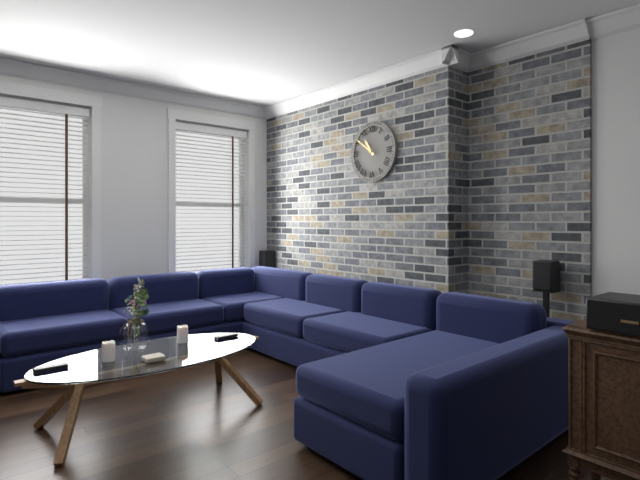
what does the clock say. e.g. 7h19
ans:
10h51
